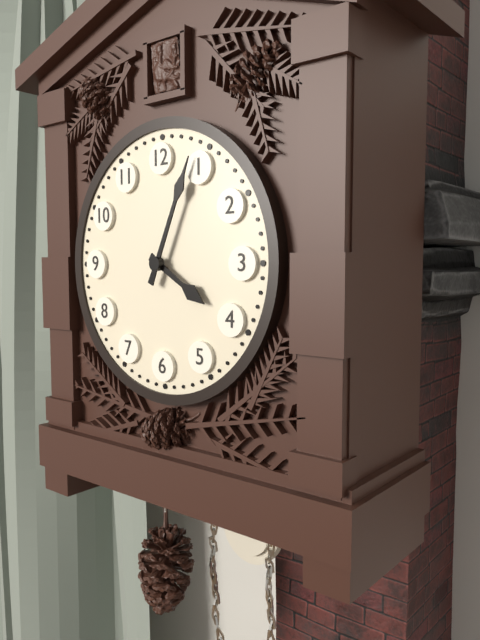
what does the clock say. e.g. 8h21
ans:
4h04
